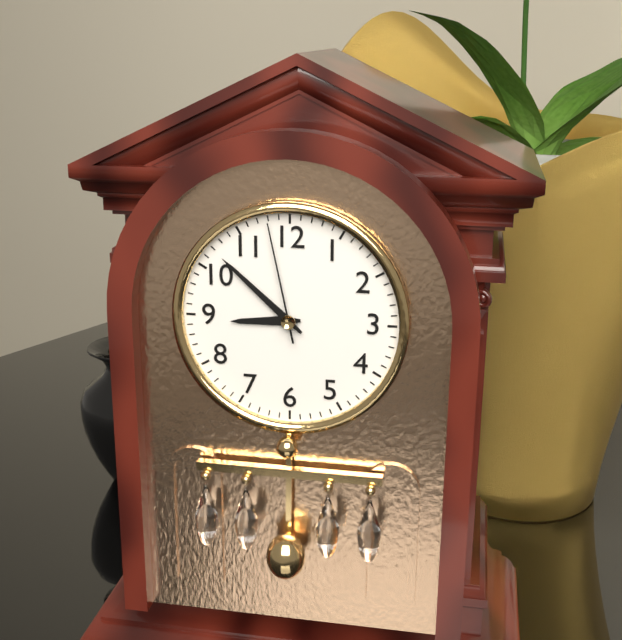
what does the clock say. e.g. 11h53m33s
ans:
8h52m58s
